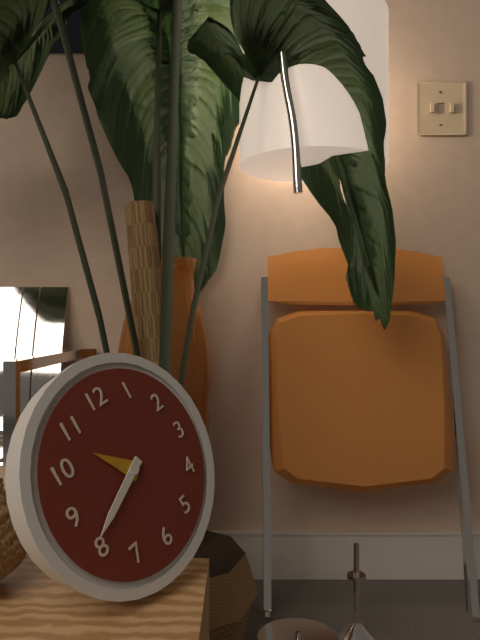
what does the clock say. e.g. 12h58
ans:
10h41
